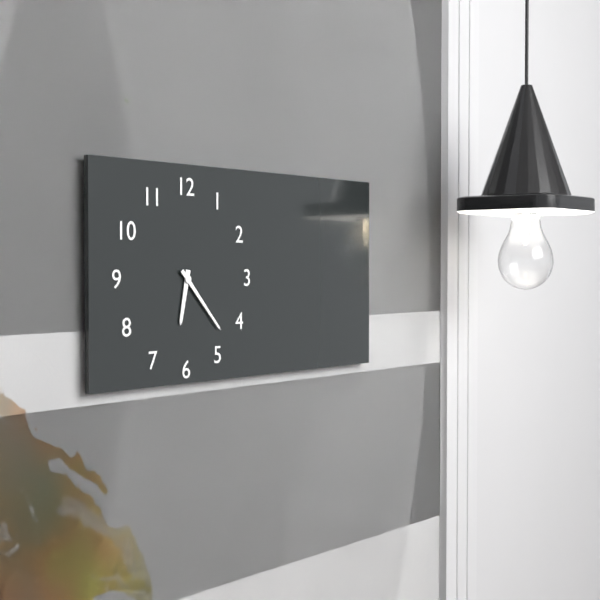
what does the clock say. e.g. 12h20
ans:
6h23
